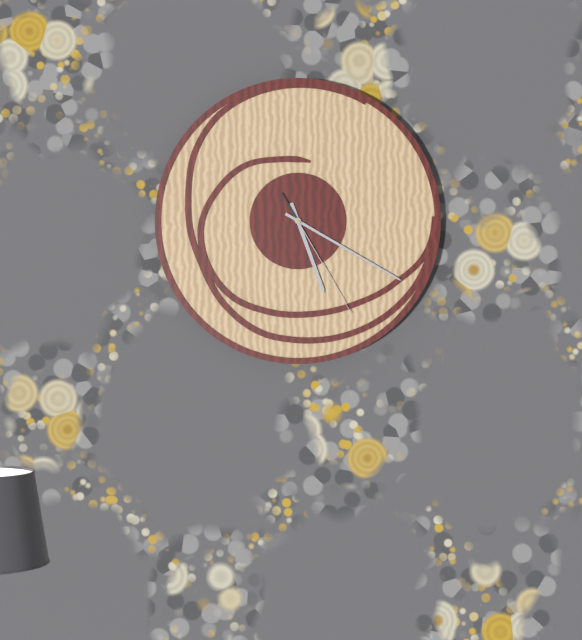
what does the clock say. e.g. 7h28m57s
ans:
5h20m25s
